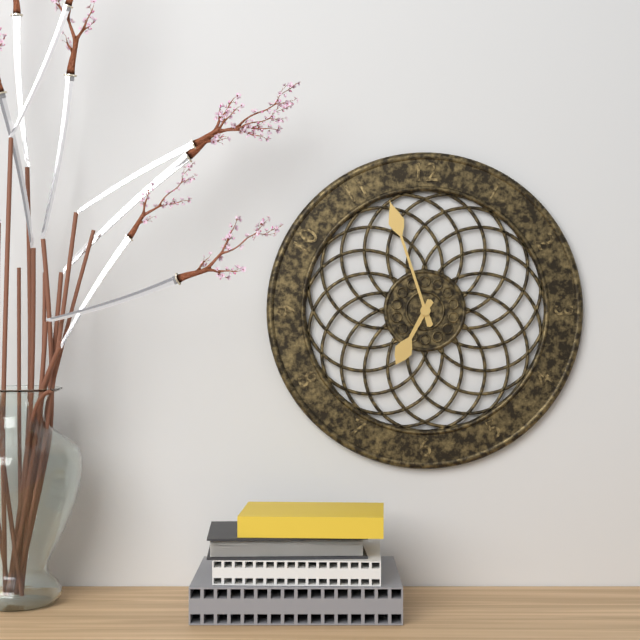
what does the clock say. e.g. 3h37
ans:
6h57
